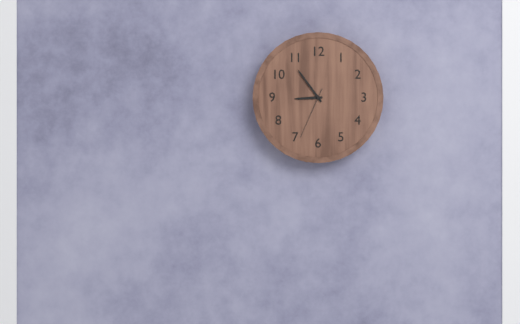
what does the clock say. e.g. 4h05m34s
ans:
8h54m34s
